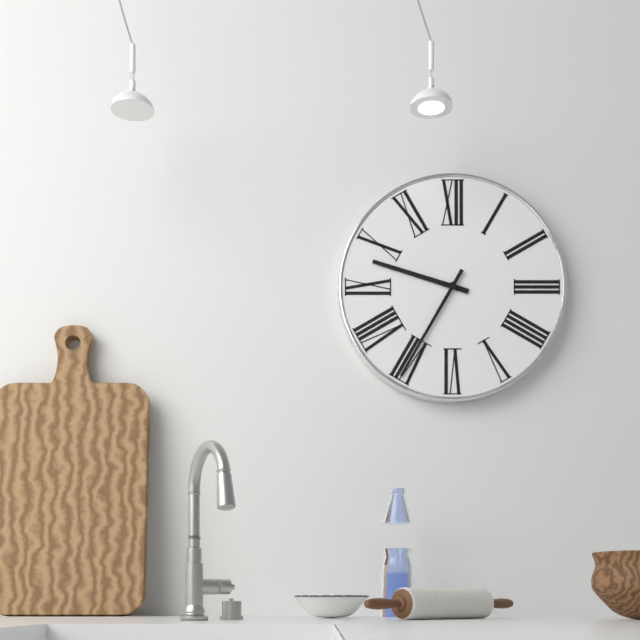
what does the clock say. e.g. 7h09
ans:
9h35
